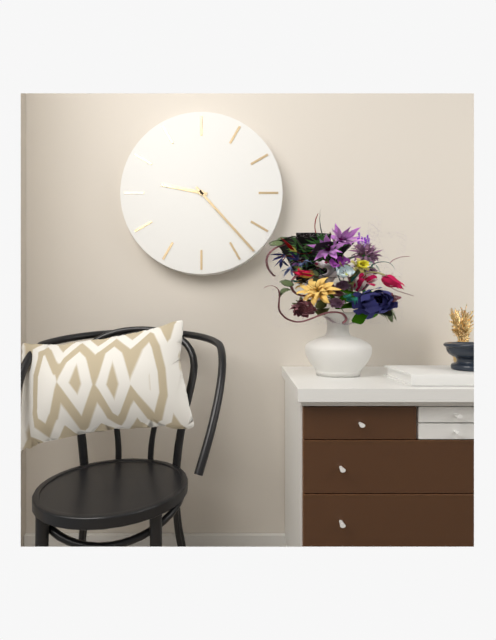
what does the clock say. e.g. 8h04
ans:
9h23
